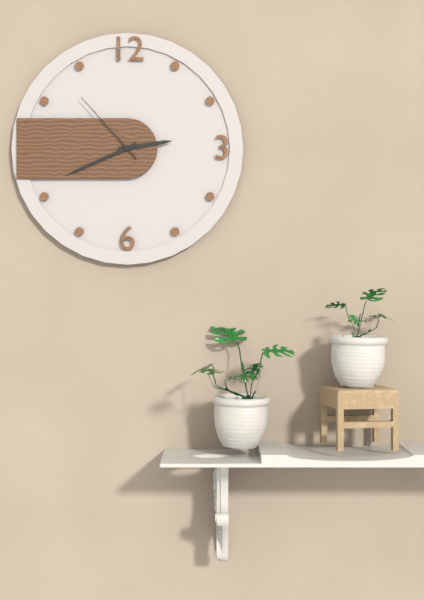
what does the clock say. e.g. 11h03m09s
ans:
2h41m53s
